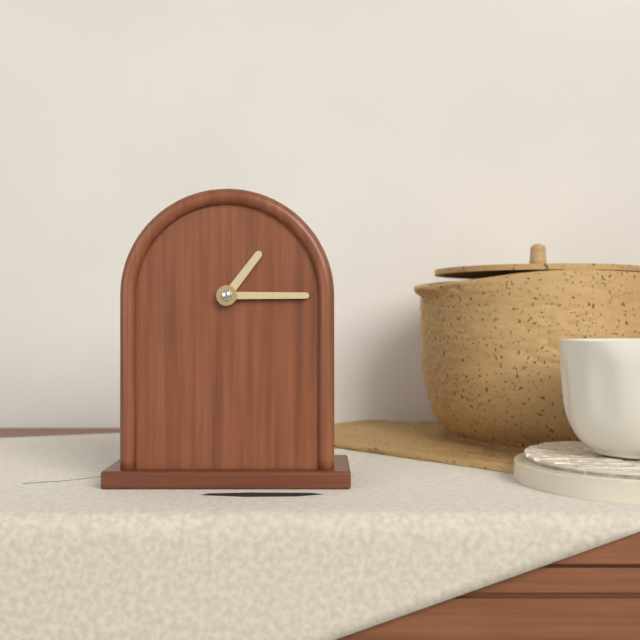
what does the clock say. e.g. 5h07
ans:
1h15
